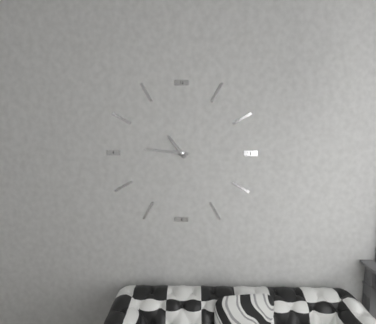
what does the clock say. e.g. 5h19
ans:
10h46
